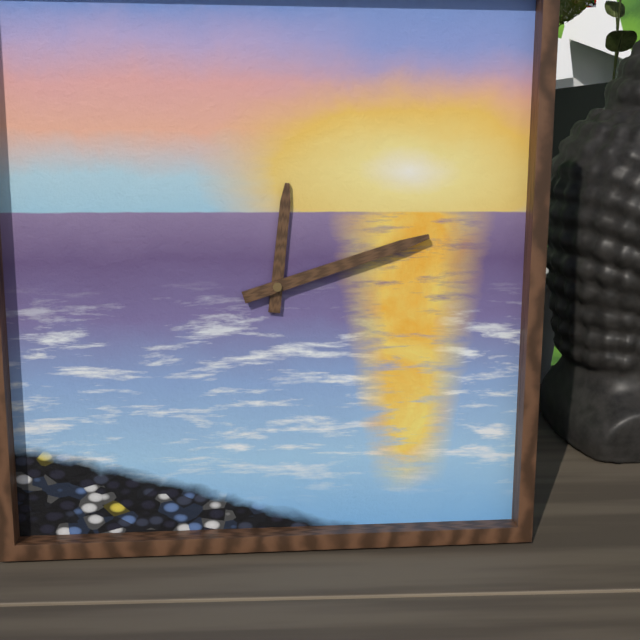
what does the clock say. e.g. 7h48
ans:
12h12
